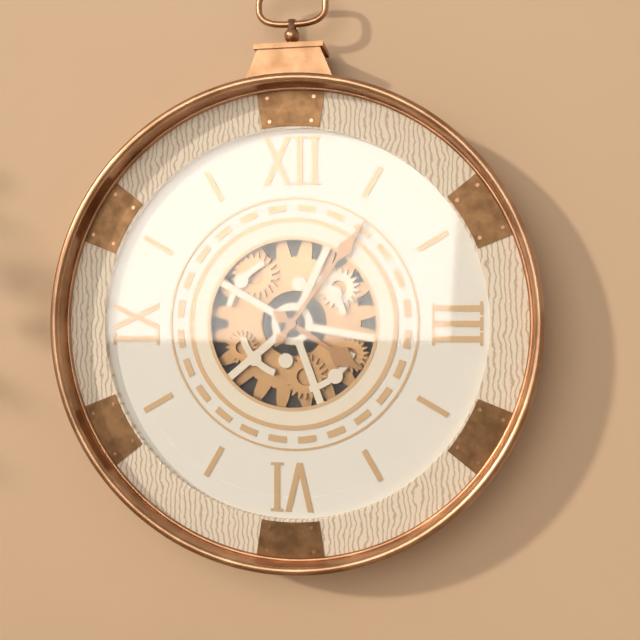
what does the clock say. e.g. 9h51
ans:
4h06
